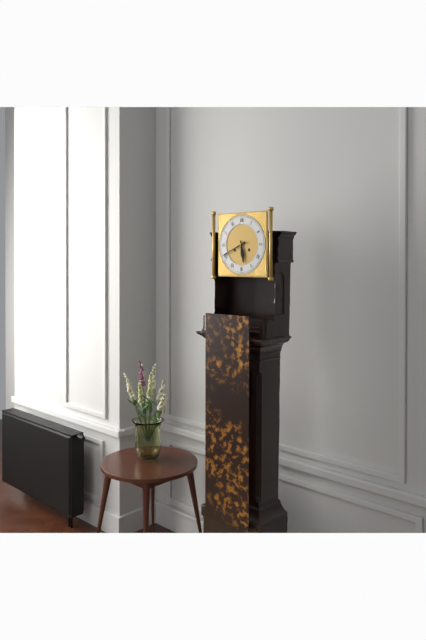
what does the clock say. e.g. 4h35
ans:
5h41
